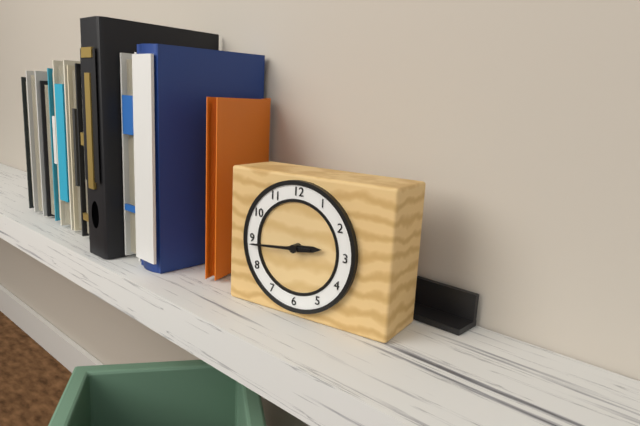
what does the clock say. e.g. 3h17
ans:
2h44
